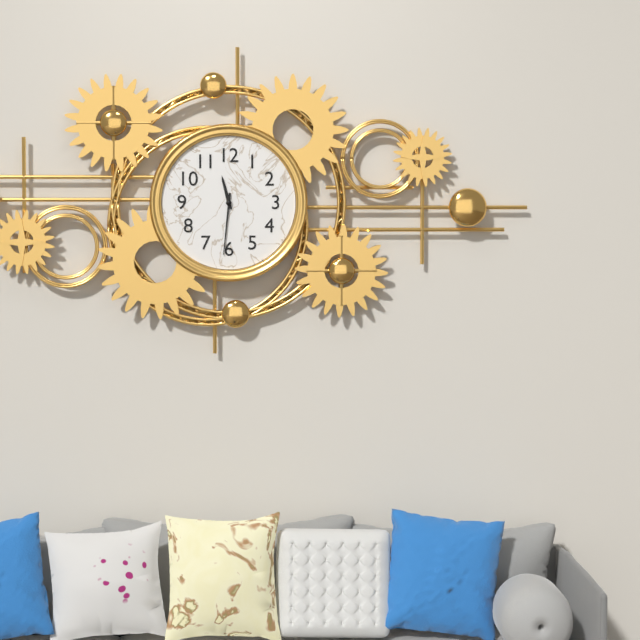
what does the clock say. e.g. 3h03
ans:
11h31
